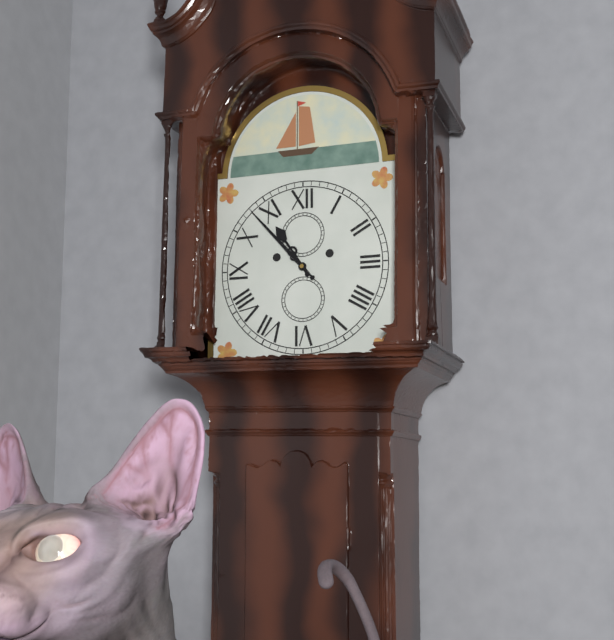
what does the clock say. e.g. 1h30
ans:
10h53
